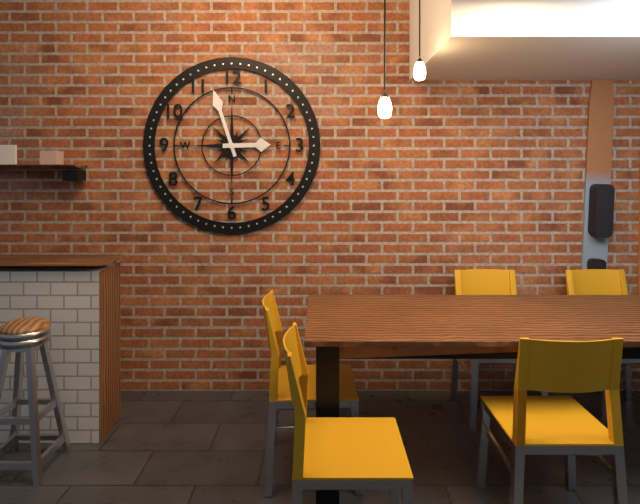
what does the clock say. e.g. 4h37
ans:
2h57
